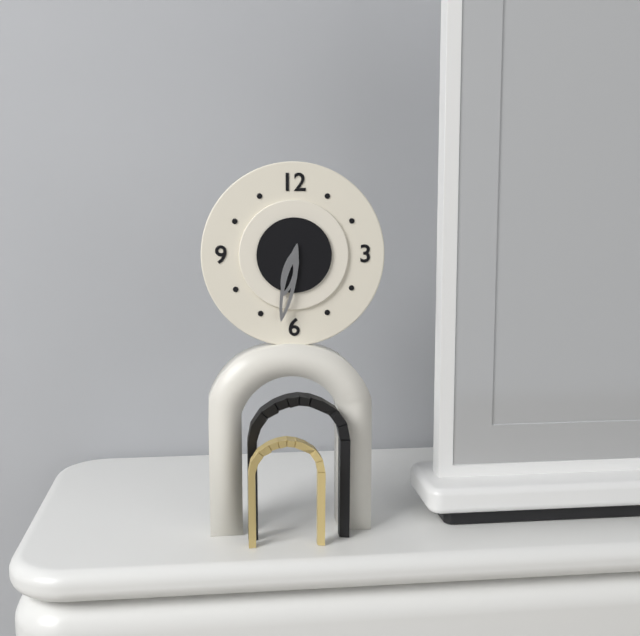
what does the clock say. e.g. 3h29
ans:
6h32
